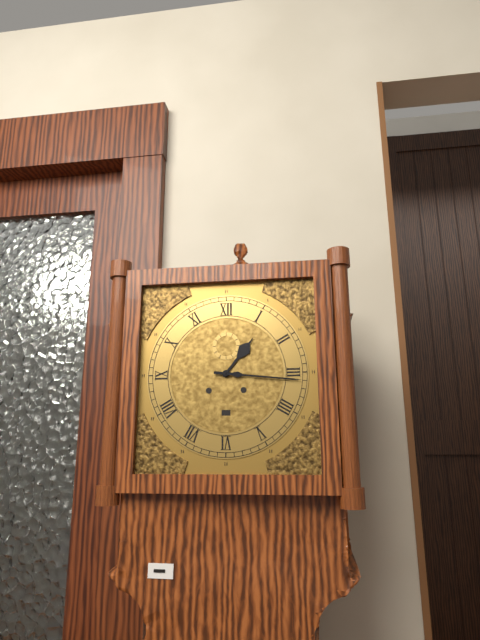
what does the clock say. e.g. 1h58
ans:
1h16
